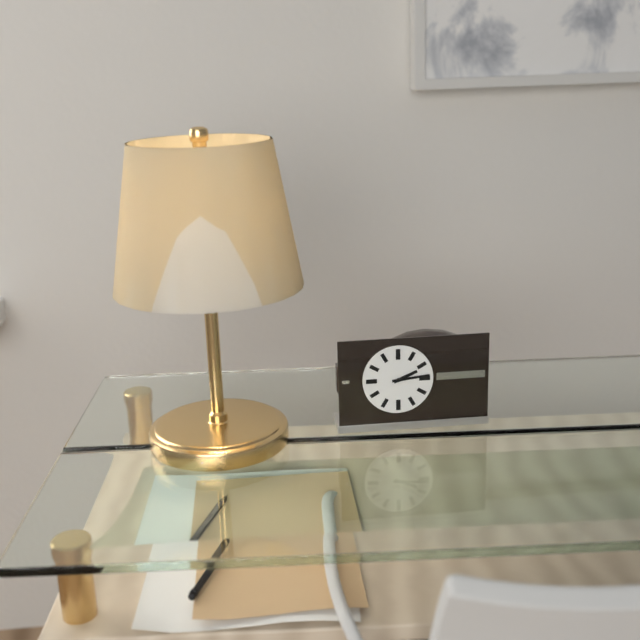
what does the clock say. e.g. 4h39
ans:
2h14
